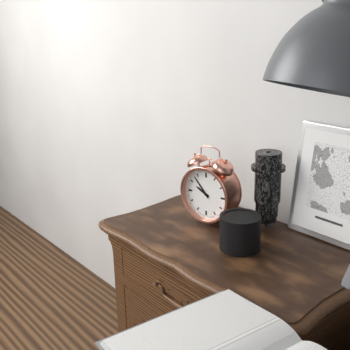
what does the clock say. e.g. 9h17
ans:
9h53
